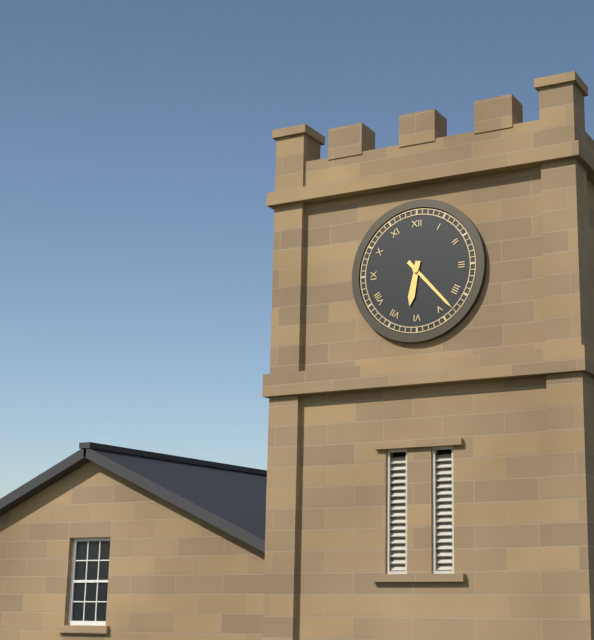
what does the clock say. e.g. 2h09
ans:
6h23
